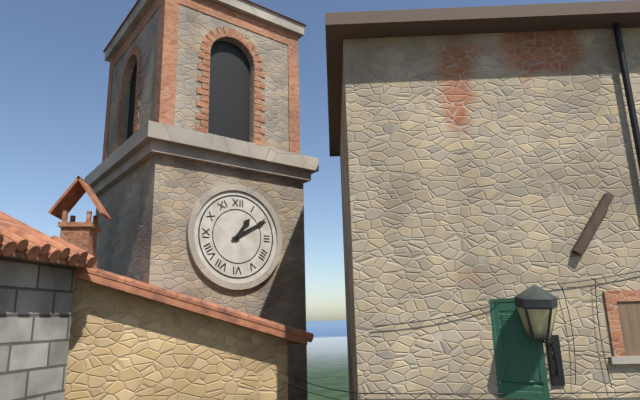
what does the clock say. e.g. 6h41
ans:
1h10
